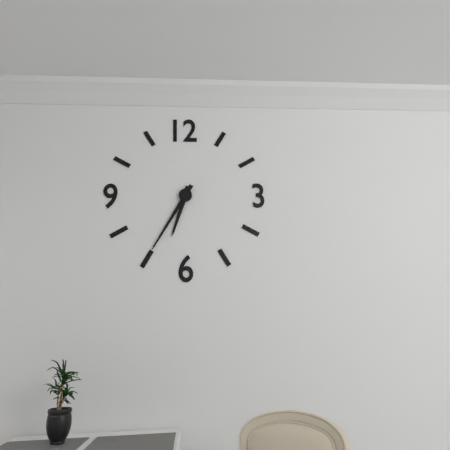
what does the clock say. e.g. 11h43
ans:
6h35
